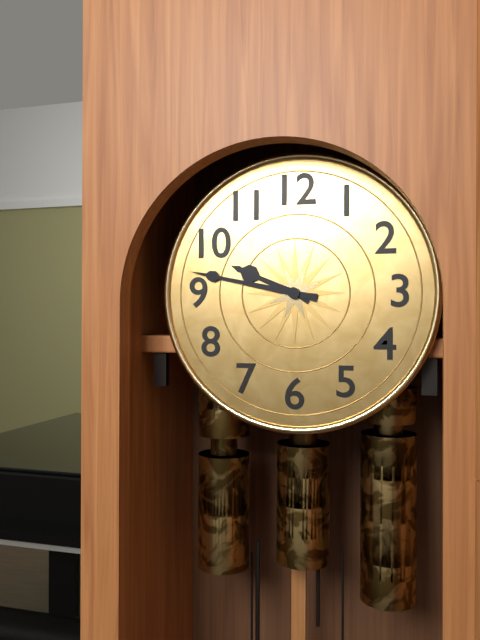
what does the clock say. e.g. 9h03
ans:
9h47
